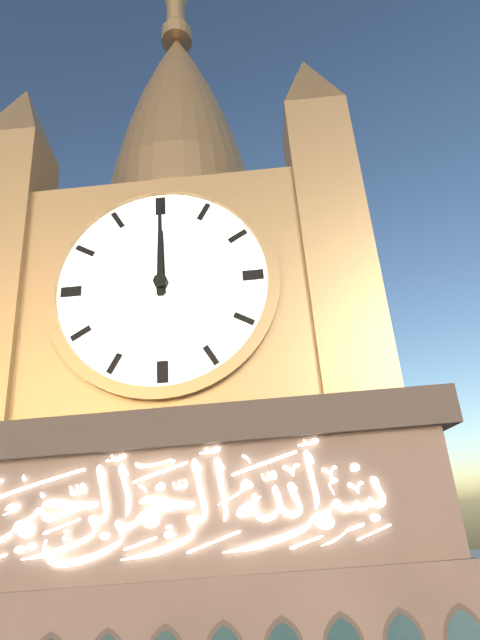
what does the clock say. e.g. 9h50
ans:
12h00
